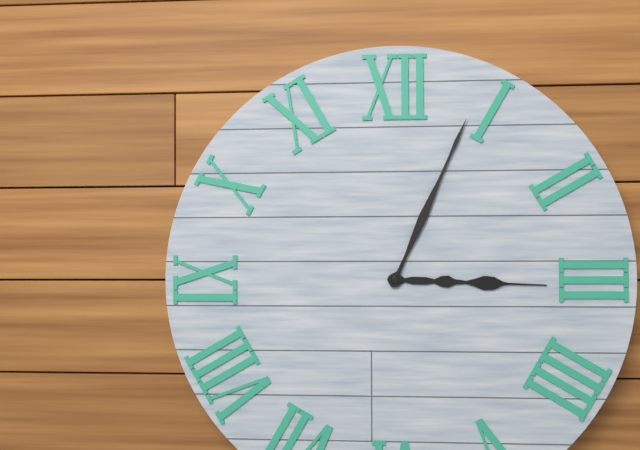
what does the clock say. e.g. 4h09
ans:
3h04
